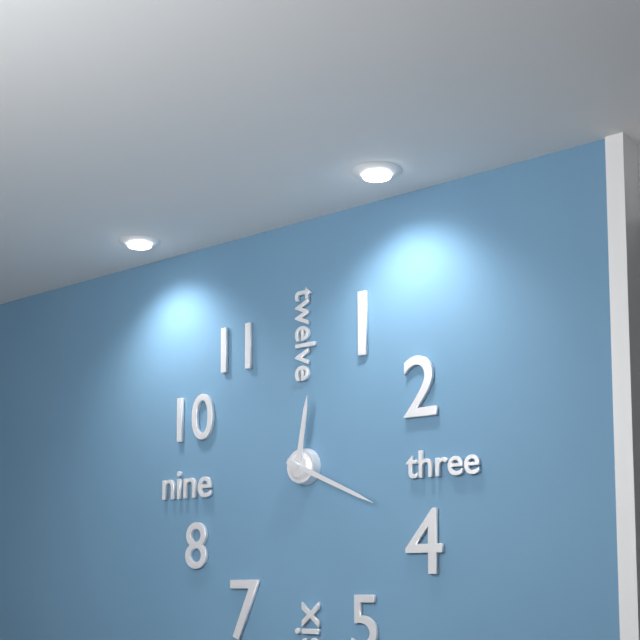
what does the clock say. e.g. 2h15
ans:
12h19
